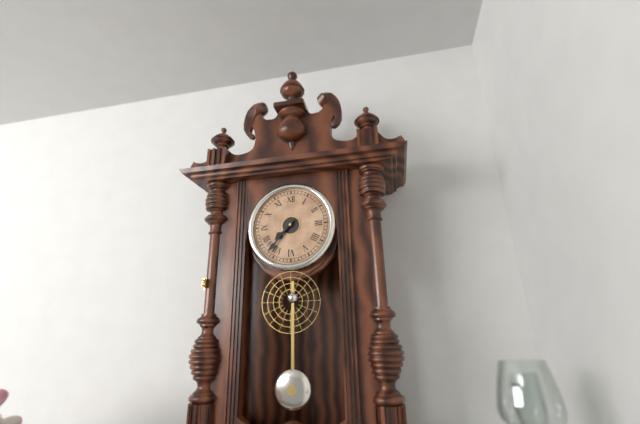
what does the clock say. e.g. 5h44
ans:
7h37
